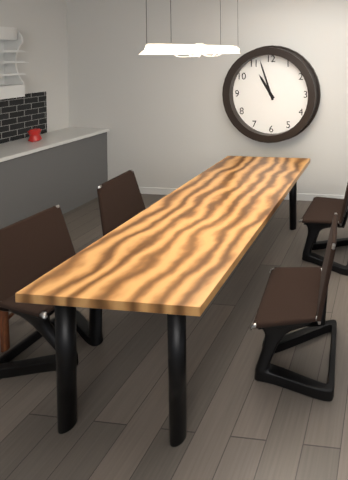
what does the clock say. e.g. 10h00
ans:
10h57
